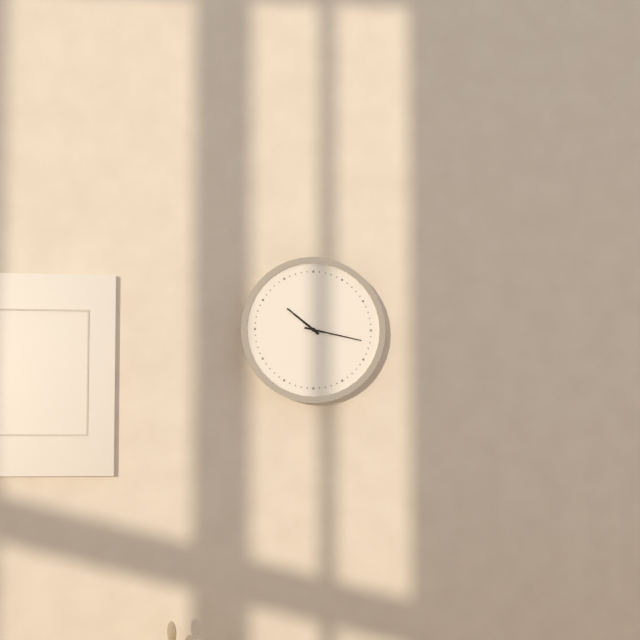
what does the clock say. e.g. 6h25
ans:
10h17
